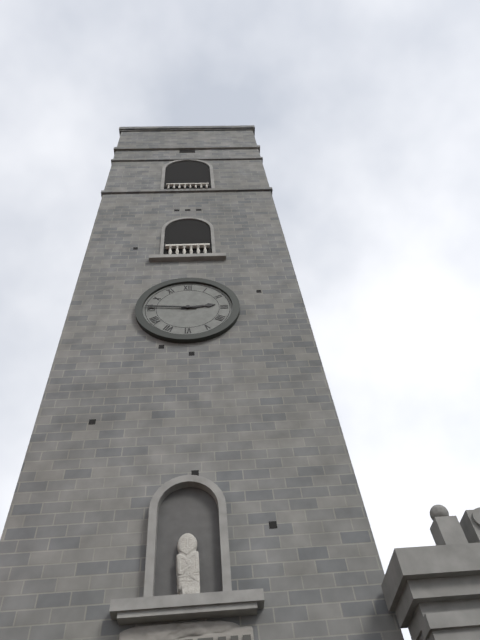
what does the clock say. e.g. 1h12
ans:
2h46
